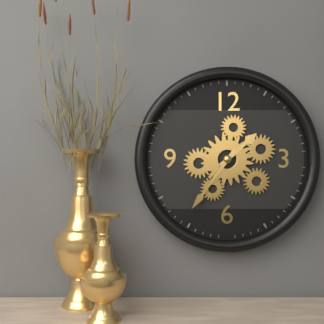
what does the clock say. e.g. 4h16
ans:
1h36
